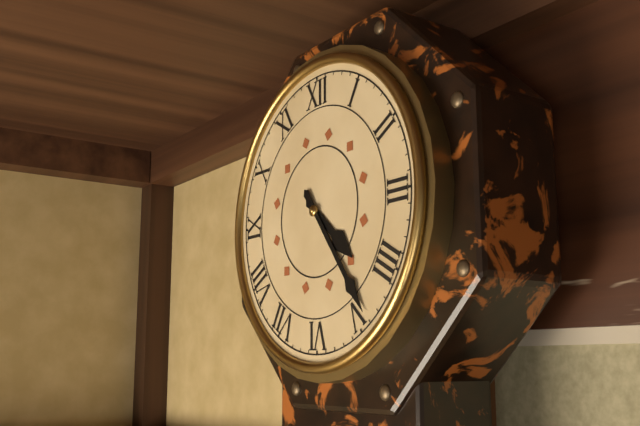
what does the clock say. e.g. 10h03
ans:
4h24
